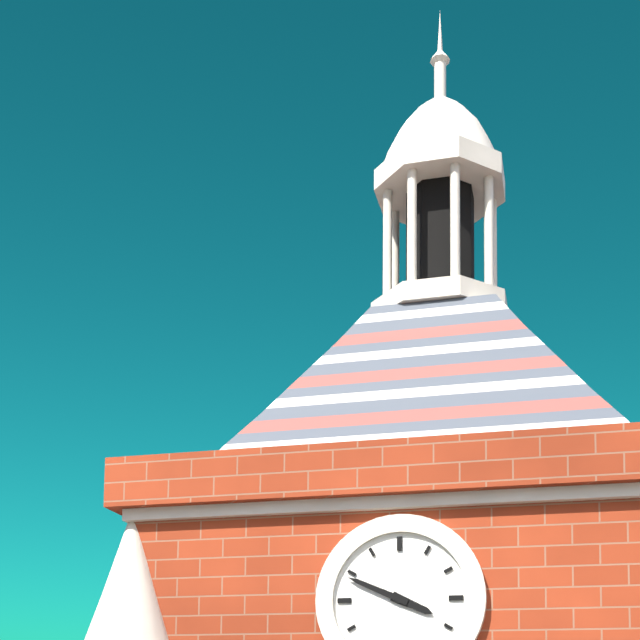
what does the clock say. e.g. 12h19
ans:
3h49
